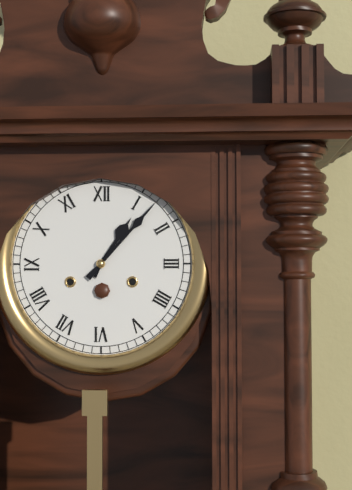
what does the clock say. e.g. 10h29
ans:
1h07
